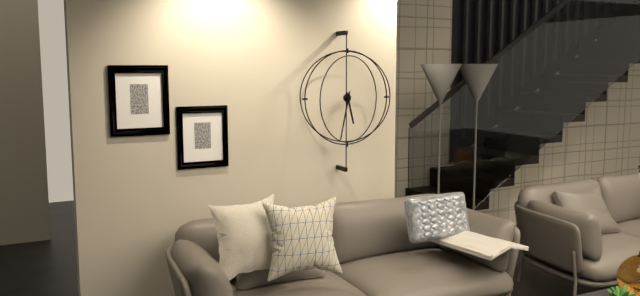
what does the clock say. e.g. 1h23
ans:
5h32
